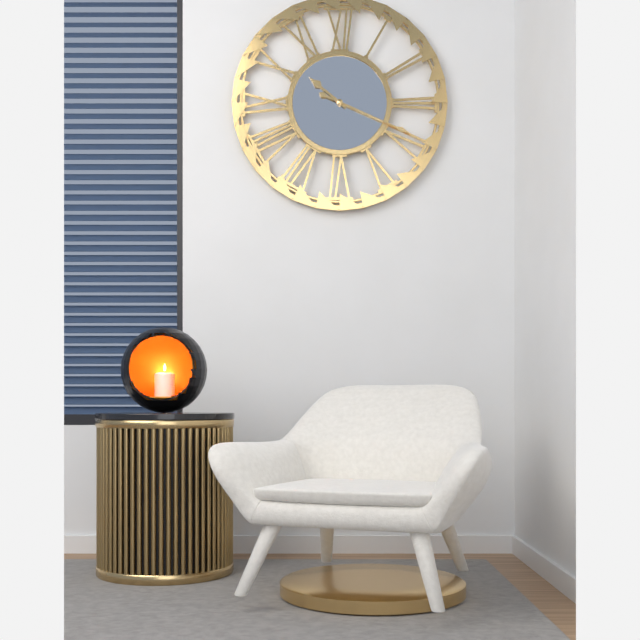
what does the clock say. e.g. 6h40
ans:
10h19
